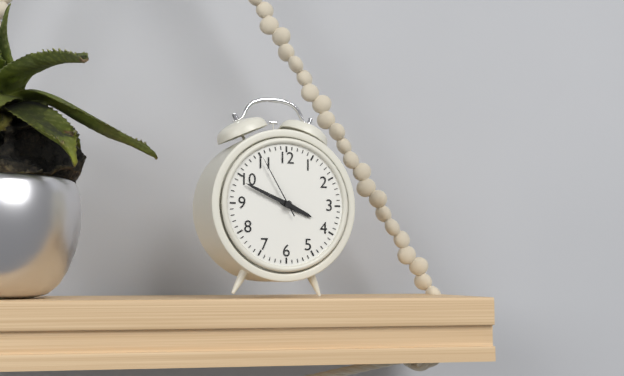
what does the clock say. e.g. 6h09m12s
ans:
3h49m55s
